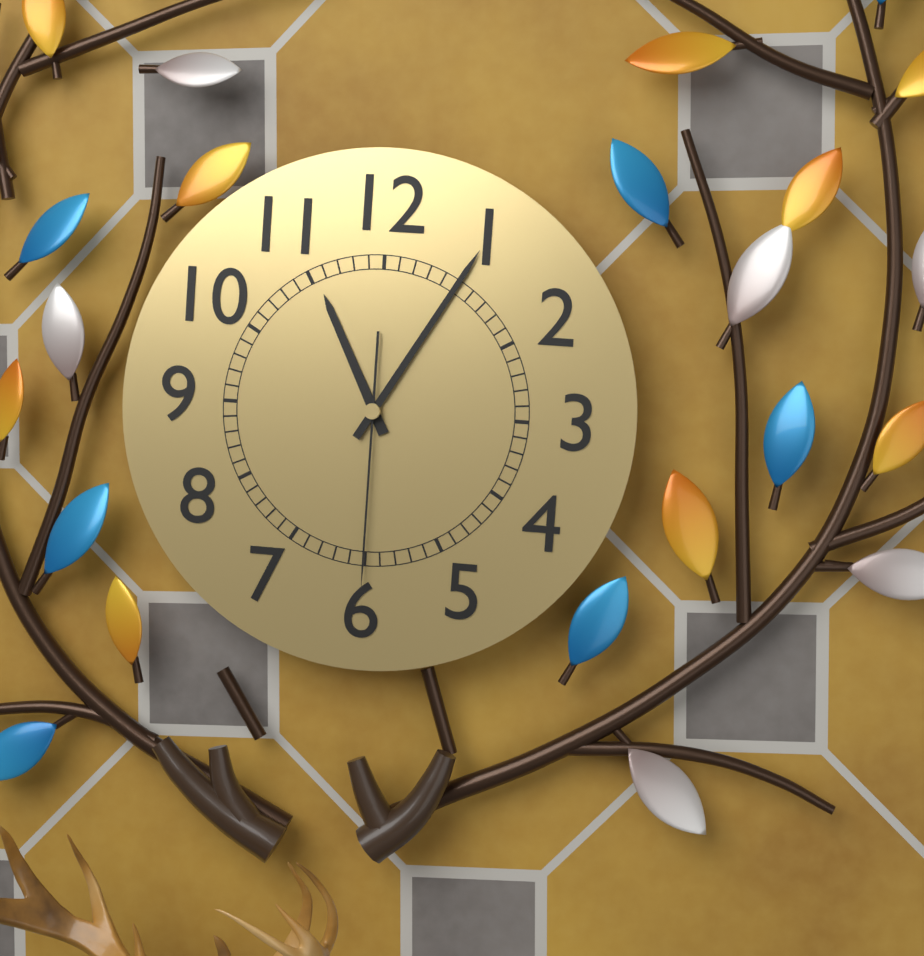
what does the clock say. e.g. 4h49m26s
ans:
11h05m30s
